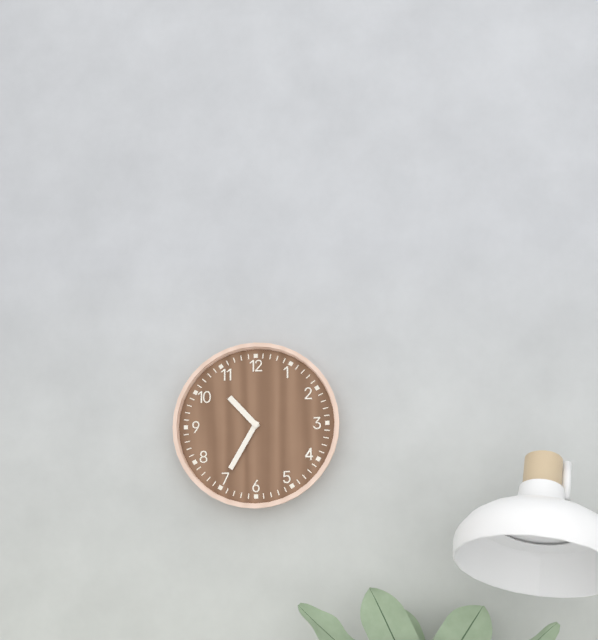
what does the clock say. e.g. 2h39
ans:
10h35
